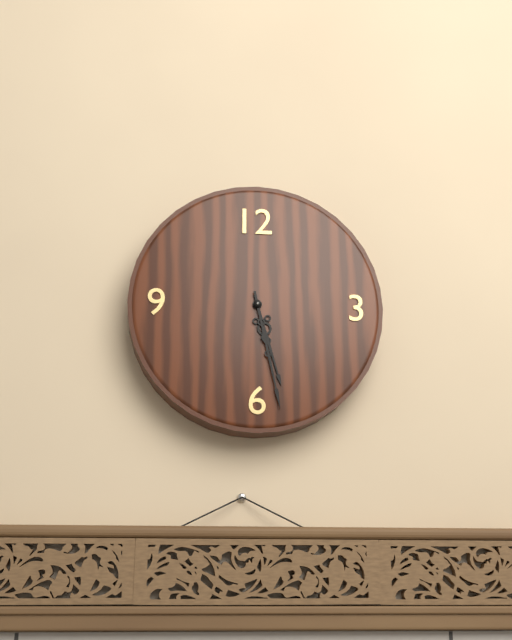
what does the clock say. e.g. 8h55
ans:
5h28
